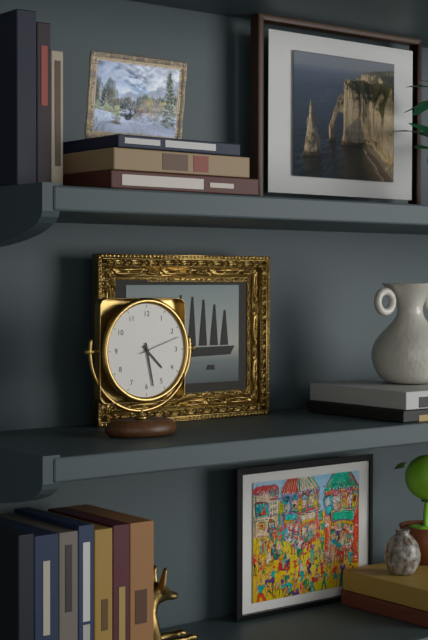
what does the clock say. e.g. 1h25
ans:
4h28
